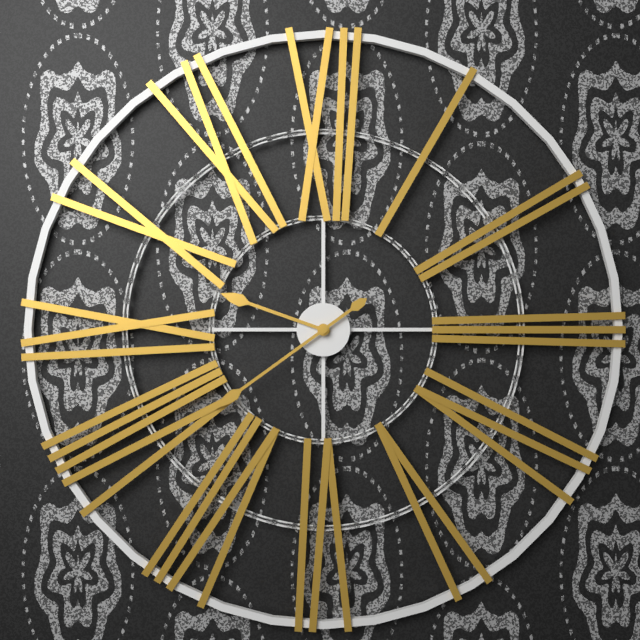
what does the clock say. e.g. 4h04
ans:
9h39
